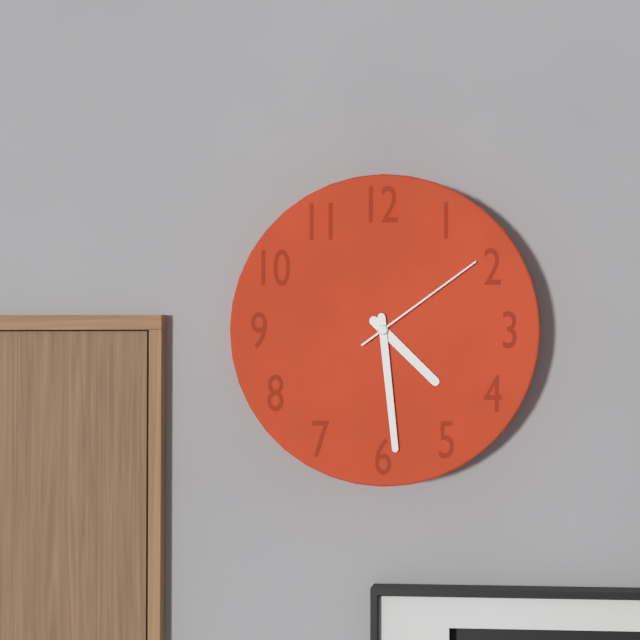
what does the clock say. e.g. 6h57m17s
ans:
4h29m09s
